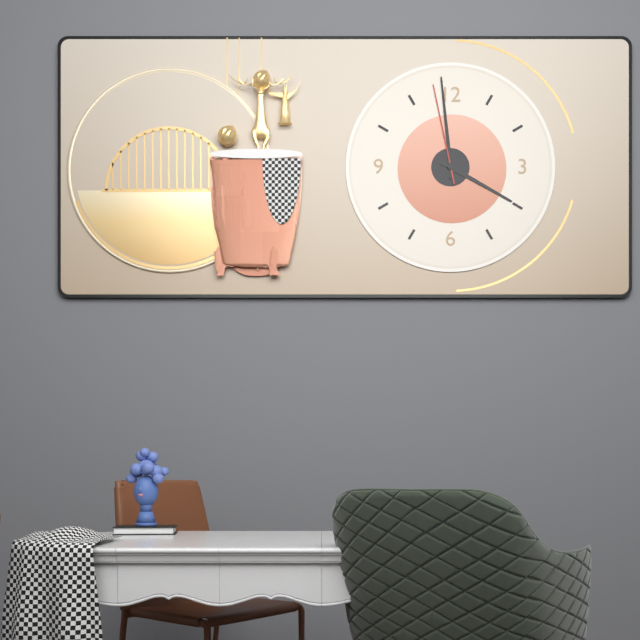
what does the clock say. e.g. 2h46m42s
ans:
3h59m58s
